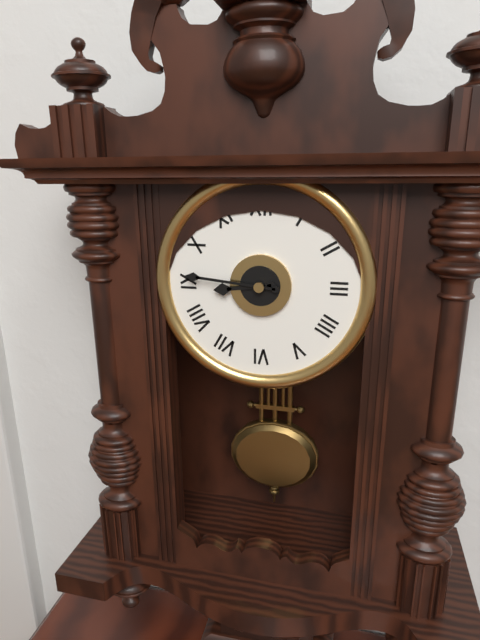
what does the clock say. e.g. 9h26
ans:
8h46
